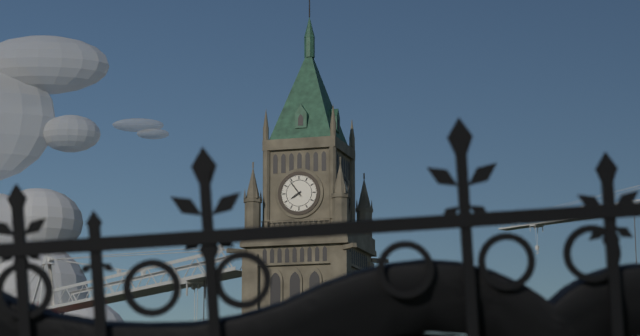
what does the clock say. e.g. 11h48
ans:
7h54
